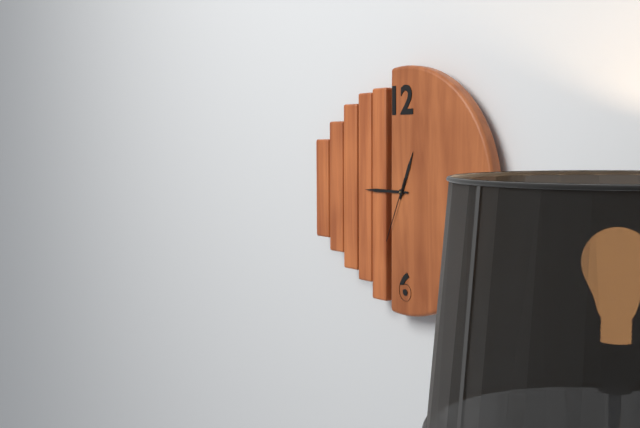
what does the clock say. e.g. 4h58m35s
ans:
12h45m34s
